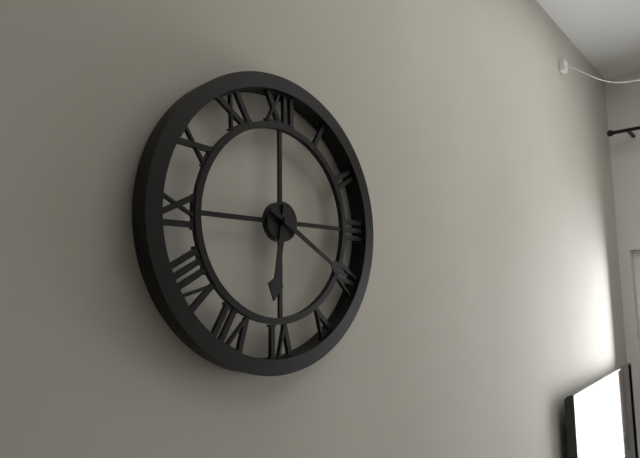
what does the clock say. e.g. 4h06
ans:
6h20
